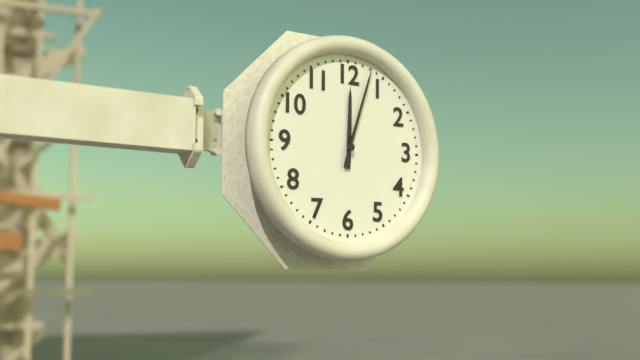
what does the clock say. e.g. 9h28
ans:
12h03
